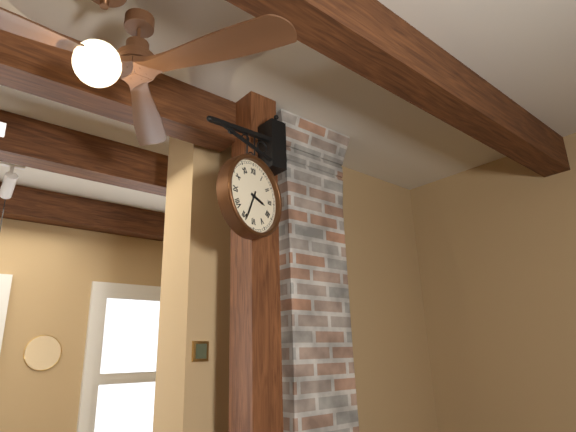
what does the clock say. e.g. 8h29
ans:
3h34
